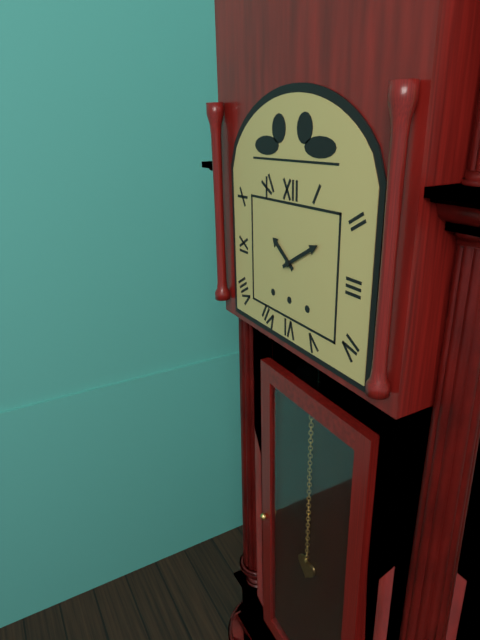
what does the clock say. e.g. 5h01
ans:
10h10
